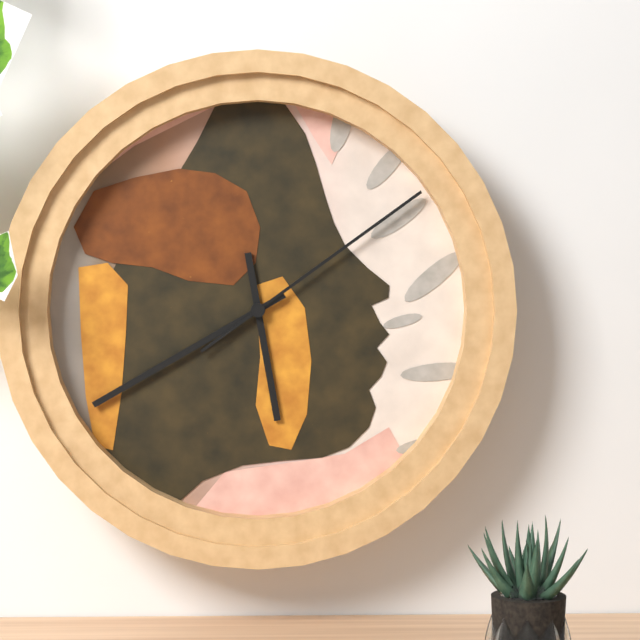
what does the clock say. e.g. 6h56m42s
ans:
5h40m09s
